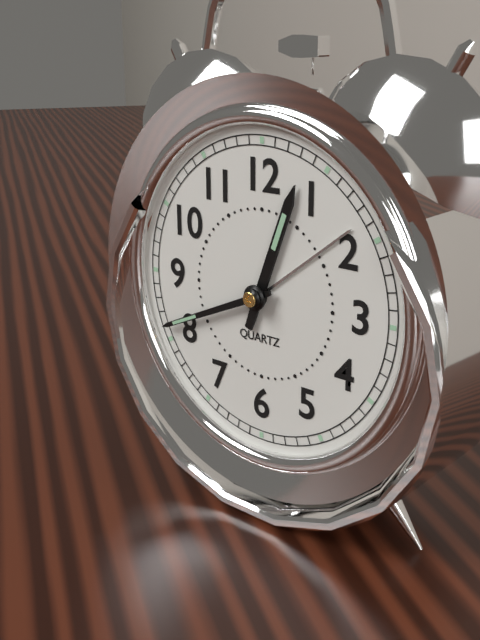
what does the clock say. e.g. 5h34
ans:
12h41
